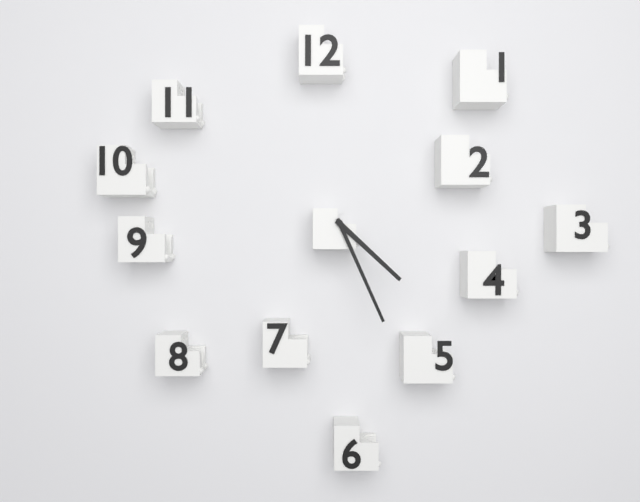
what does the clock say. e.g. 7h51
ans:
4h26
